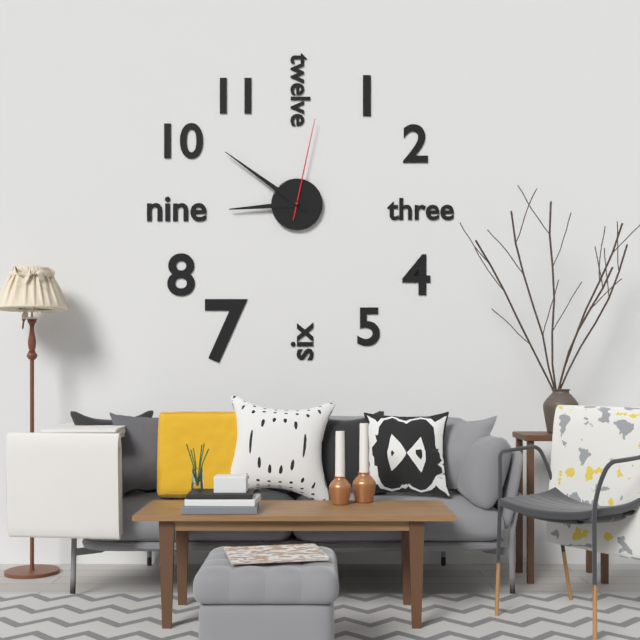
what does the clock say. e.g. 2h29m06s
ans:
8h51m02s
